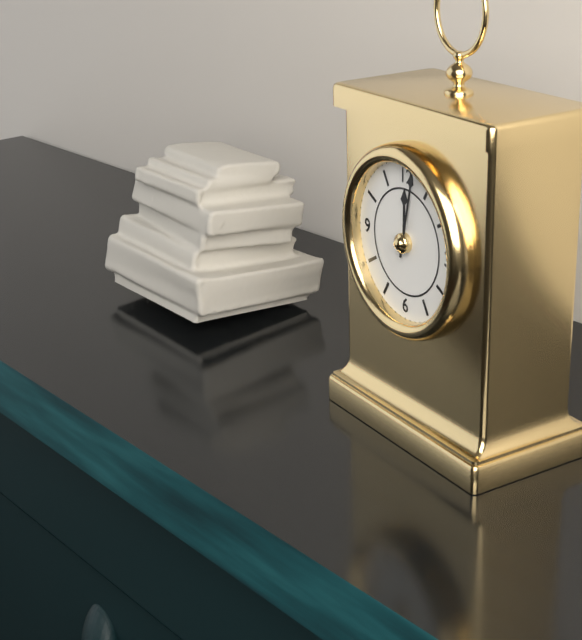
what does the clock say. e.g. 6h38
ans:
12h02
